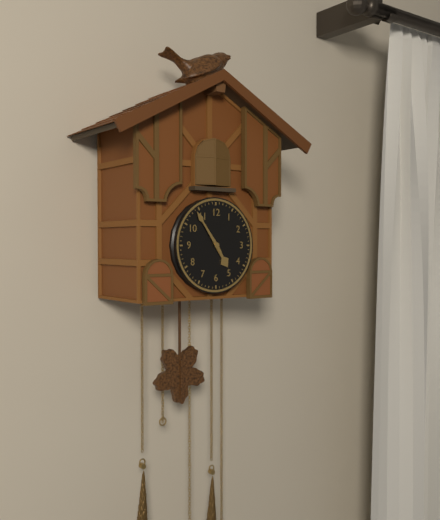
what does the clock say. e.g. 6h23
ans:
4h54
